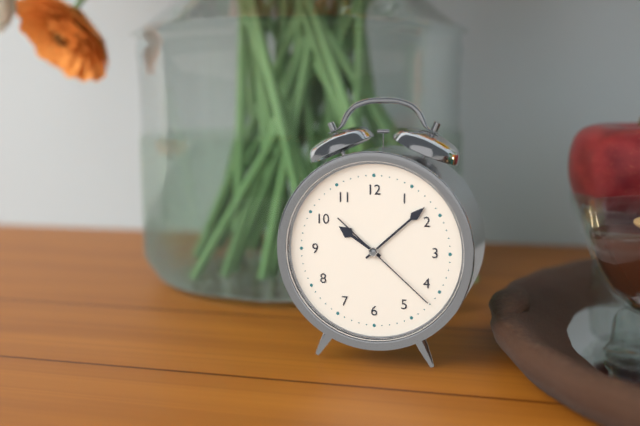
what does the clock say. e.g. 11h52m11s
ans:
10h08m22s
